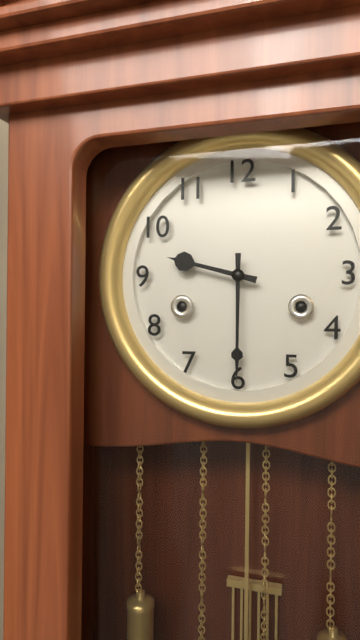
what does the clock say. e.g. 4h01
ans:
9h30
